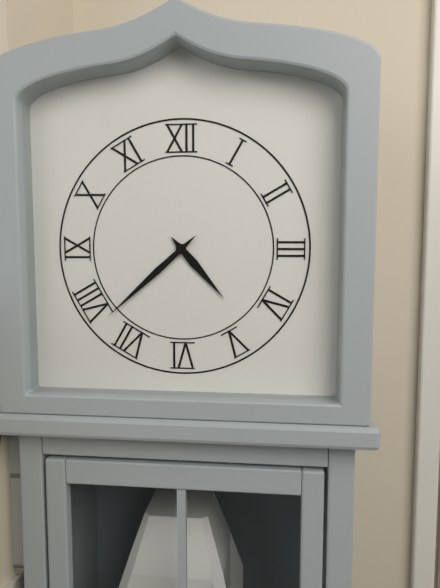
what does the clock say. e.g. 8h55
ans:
4h38
